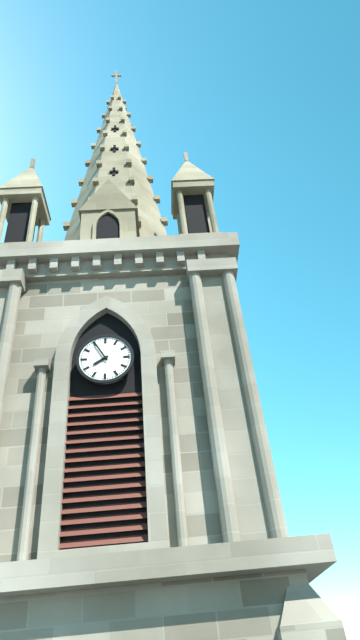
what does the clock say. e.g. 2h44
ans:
7h55
